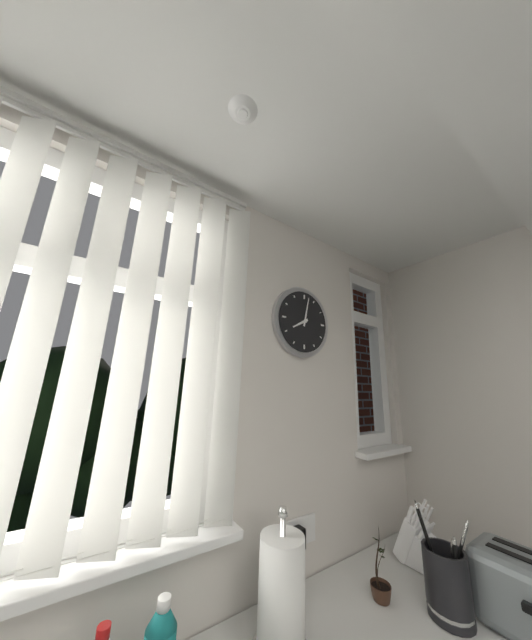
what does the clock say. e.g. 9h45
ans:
8h02
